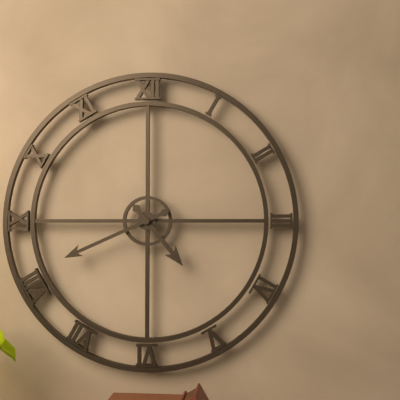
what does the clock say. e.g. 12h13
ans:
4h41
